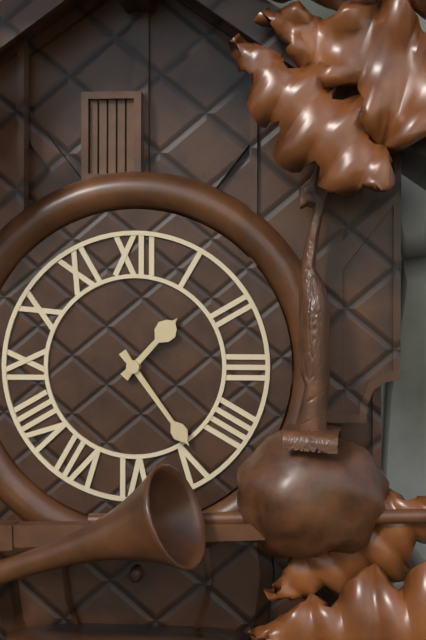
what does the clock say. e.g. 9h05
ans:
1h24
